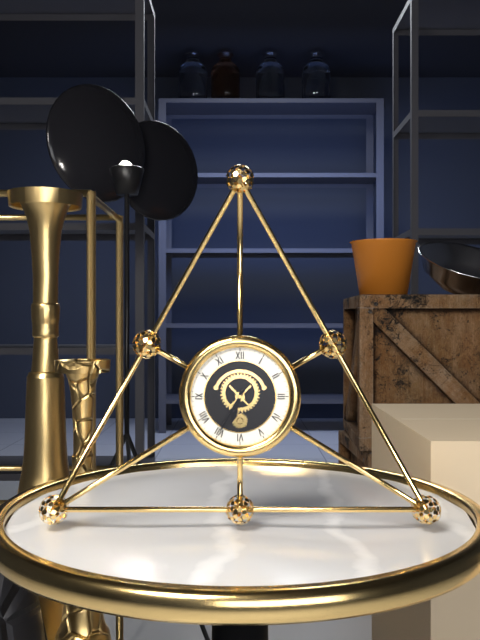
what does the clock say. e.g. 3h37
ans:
6h35
